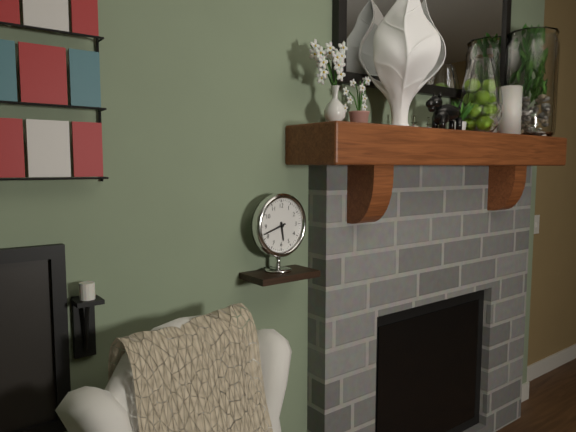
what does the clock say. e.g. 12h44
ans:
5h42
